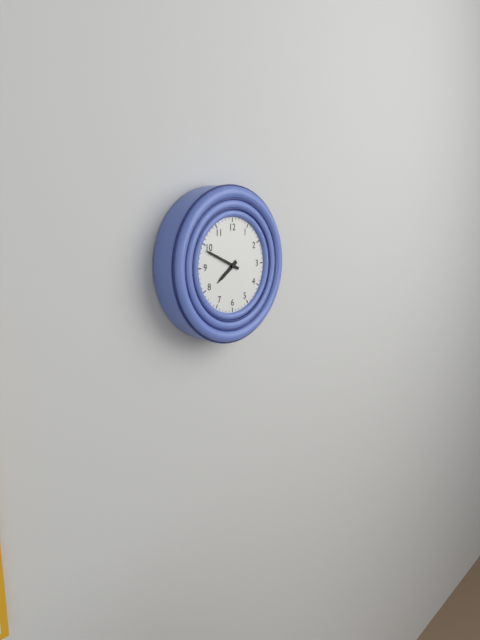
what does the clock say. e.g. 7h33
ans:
7h49
